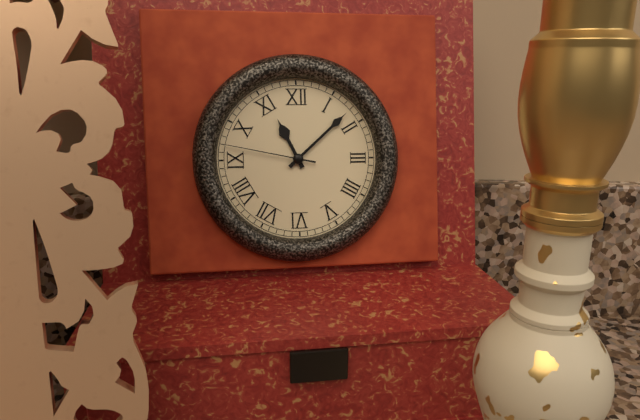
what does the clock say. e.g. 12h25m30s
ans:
11h08m47s
